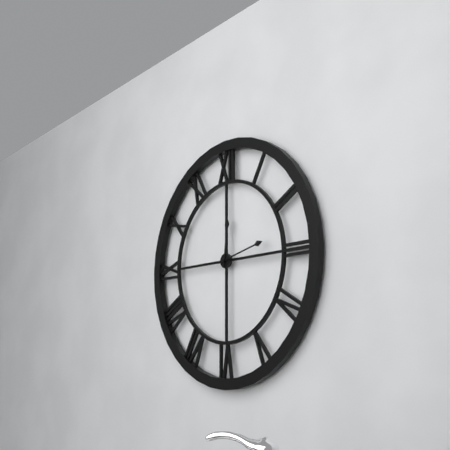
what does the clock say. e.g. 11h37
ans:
12h13
